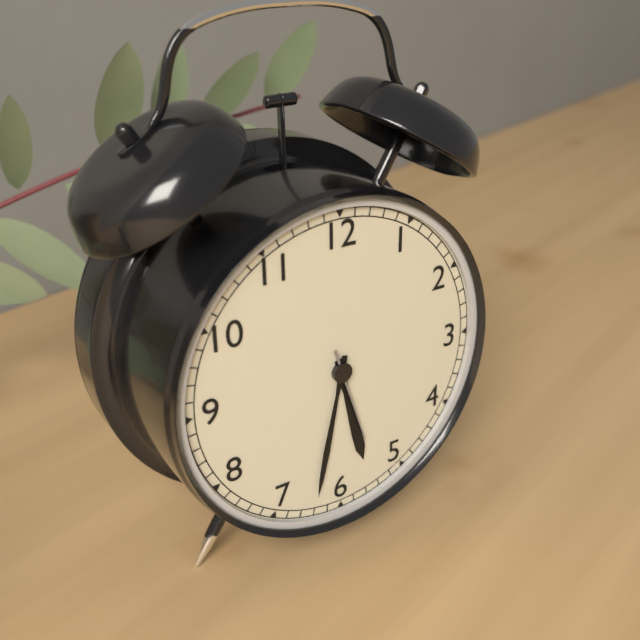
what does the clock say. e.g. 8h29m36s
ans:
5h32m27s
